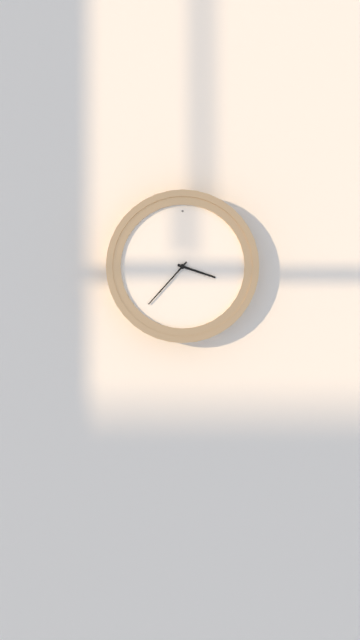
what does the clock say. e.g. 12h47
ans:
3h37
